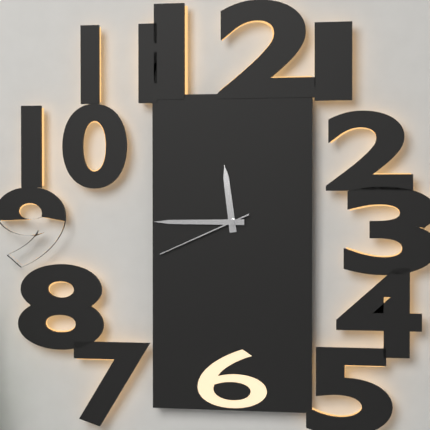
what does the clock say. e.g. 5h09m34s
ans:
11h45m41s
